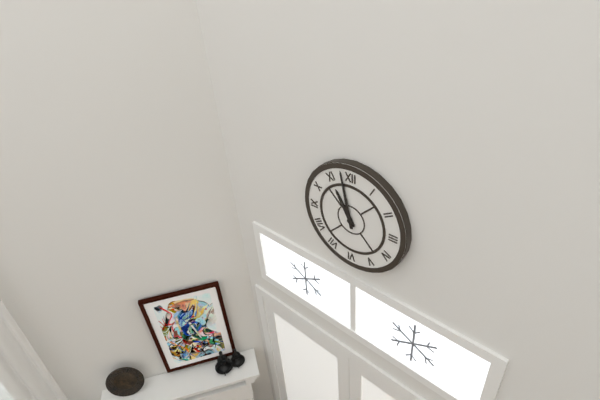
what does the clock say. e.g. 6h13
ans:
10h58
